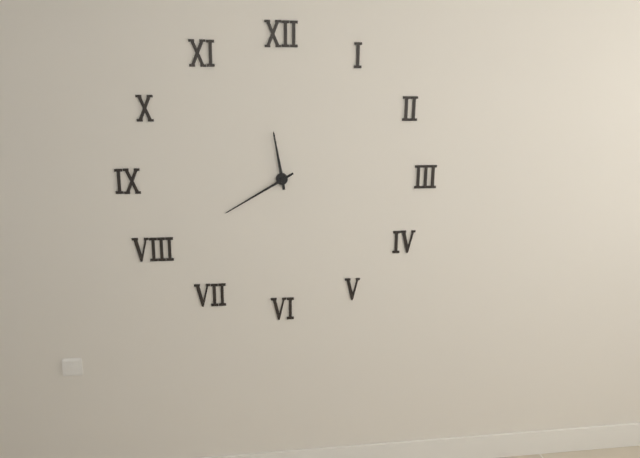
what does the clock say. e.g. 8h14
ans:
11h40
